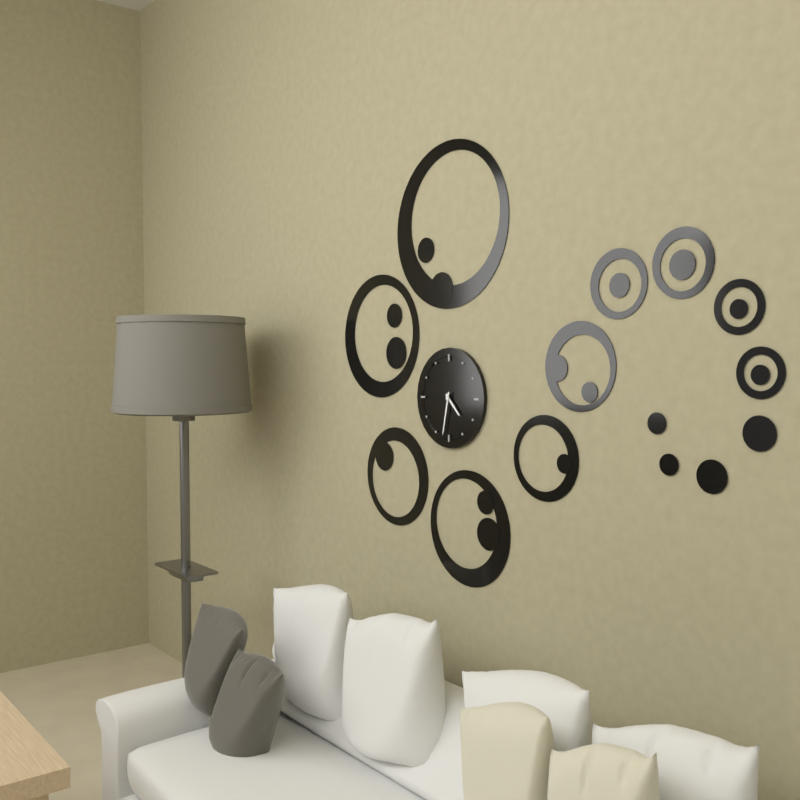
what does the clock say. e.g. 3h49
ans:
4h32
